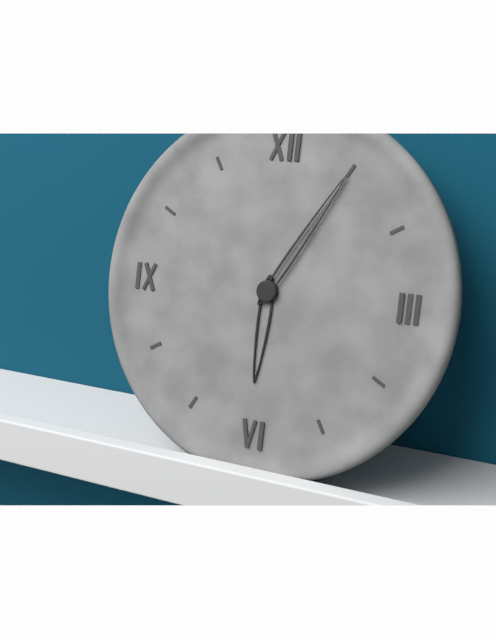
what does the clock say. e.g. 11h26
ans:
6h05
